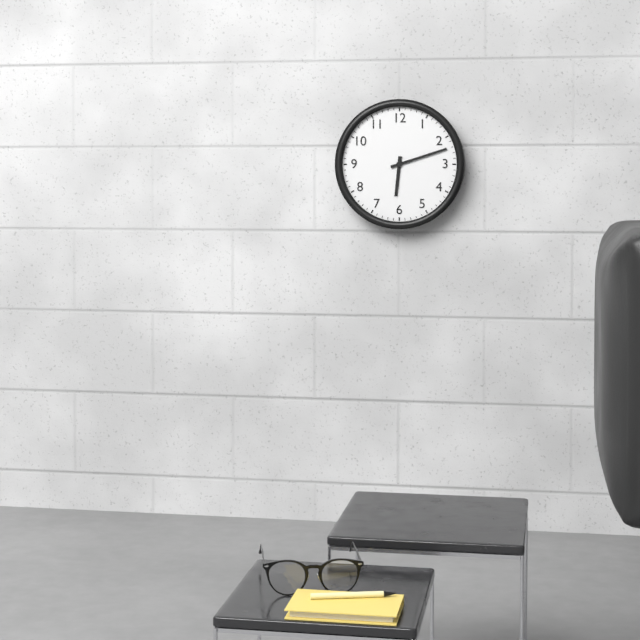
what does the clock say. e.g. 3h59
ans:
6h12
